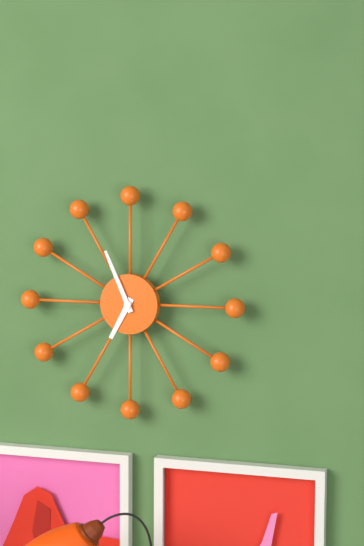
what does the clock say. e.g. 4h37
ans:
6h56
